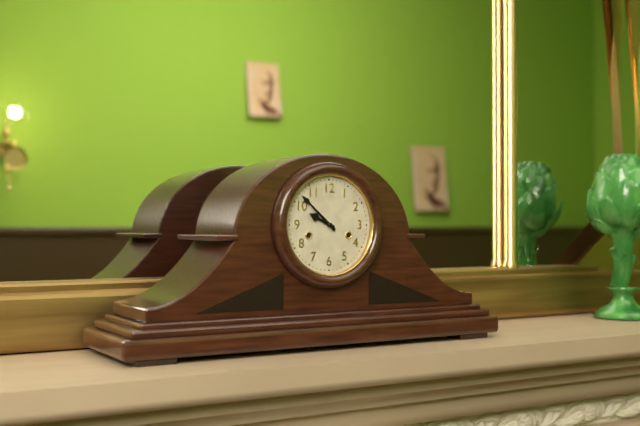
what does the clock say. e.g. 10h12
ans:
9h52
